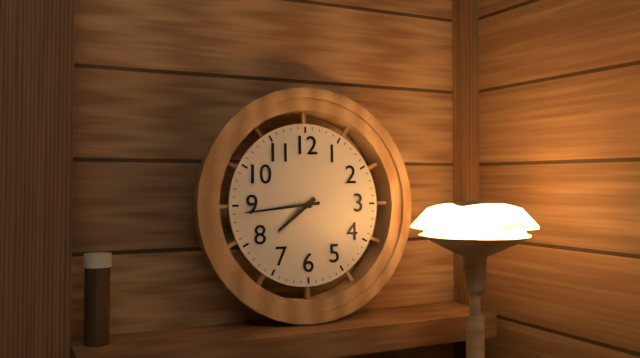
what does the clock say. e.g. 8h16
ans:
7h44
